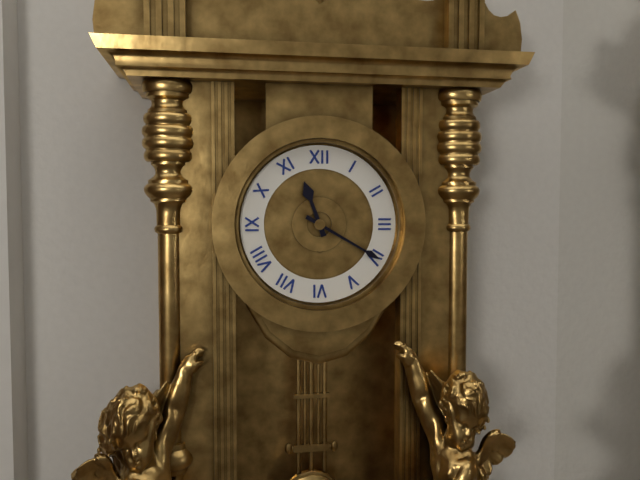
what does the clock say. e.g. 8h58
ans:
11h20
